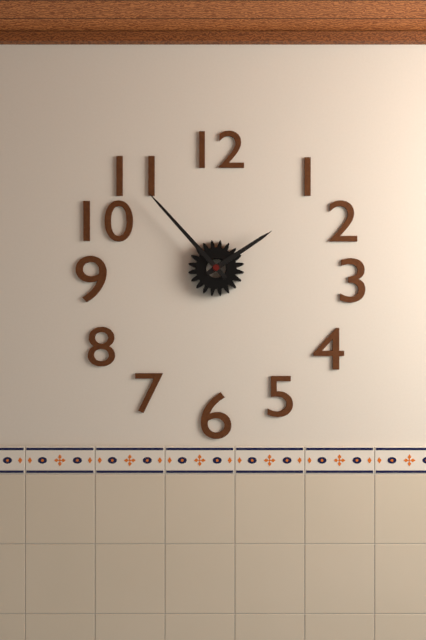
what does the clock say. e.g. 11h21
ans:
1h53
